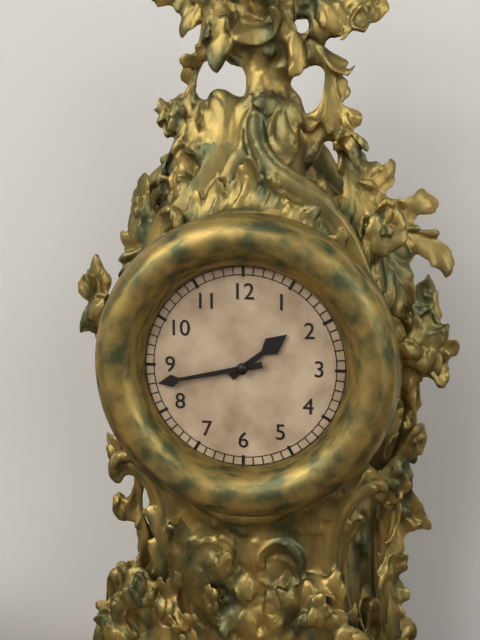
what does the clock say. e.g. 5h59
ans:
1h43
